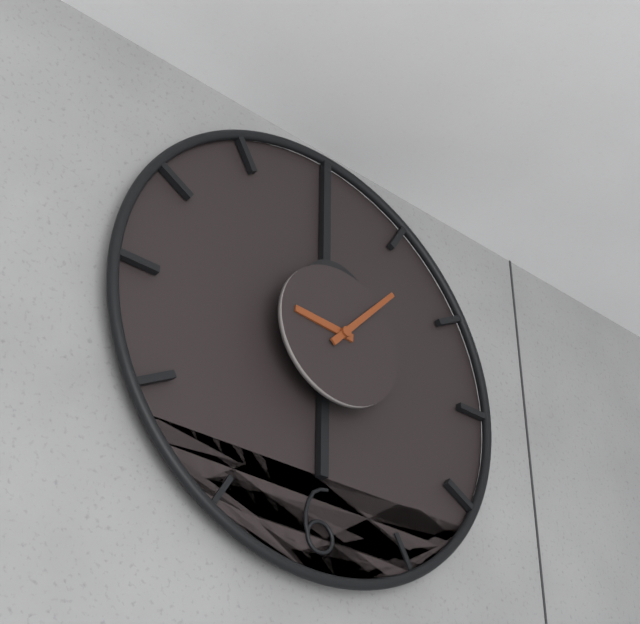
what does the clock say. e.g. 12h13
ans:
9h07
